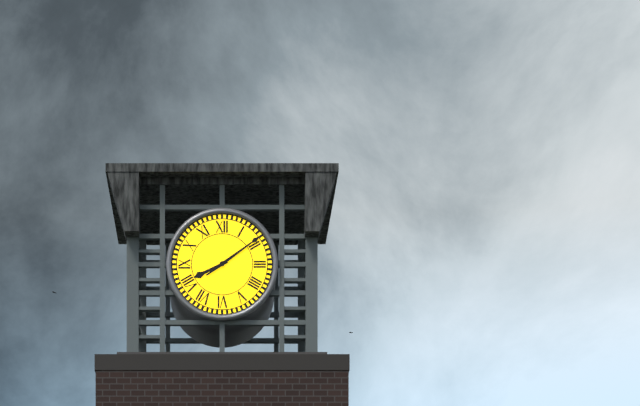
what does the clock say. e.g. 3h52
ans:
8h09
